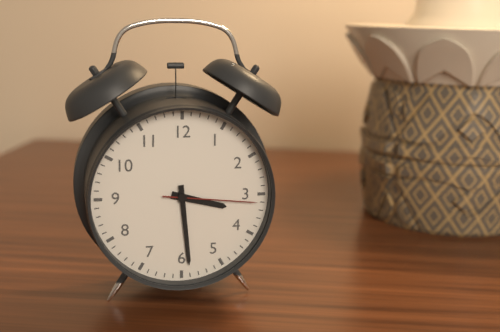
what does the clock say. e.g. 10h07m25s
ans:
3h29m16s
